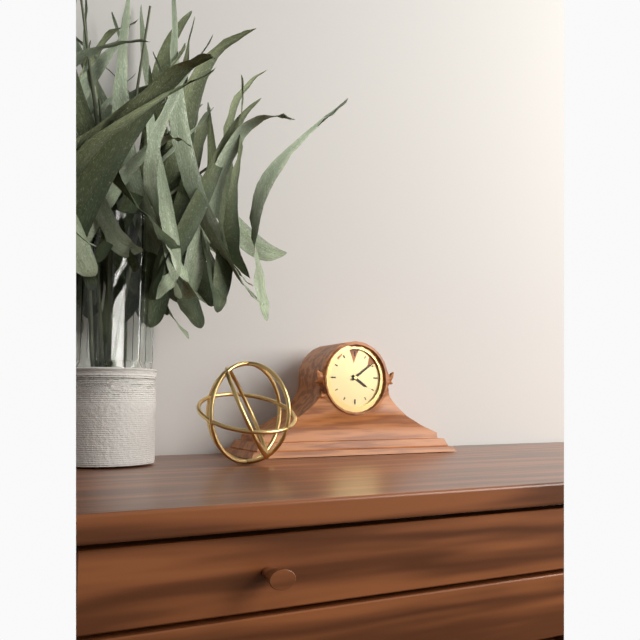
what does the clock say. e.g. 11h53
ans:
4h09
